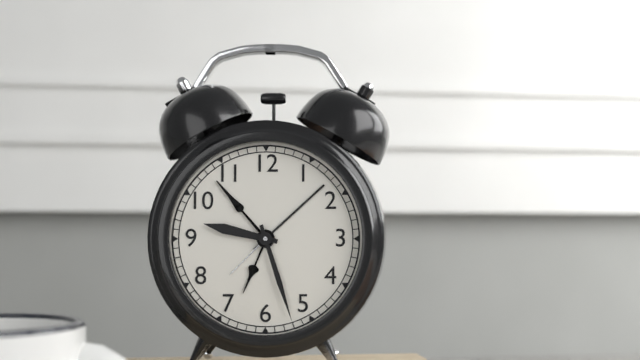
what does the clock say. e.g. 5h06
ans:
9h27
